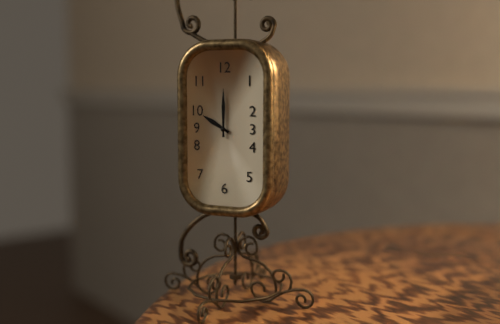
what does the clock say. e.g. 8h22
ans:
10h00
